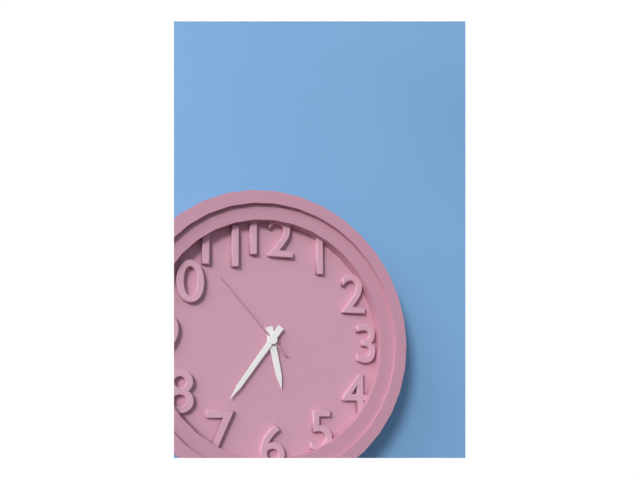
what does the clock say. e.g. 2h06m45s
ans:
5h36m53s
